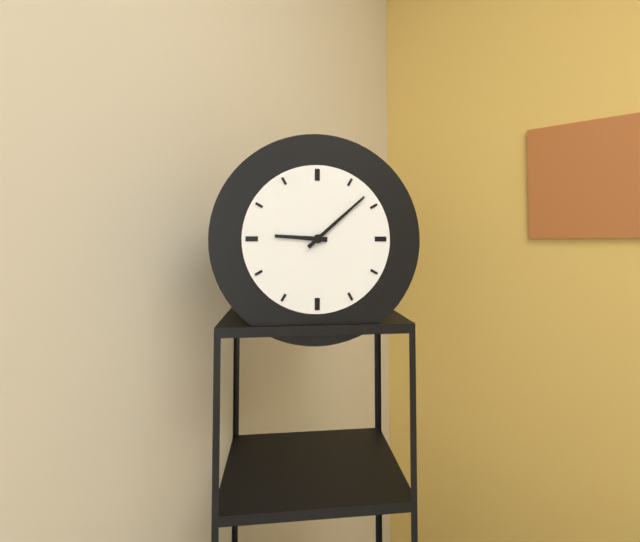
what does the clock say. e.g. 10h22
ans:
9h08
